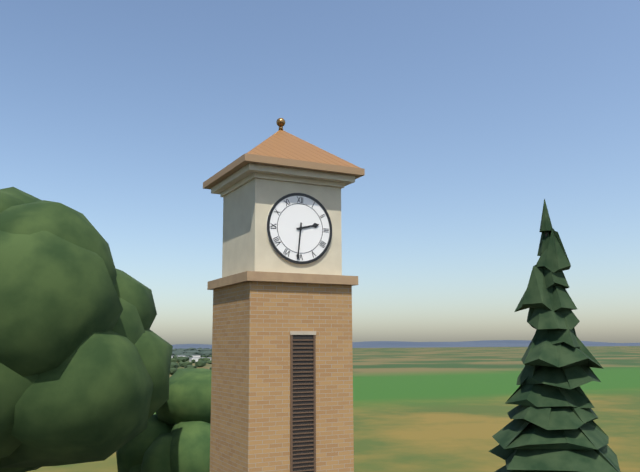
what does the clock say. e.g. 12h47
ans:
2h31
